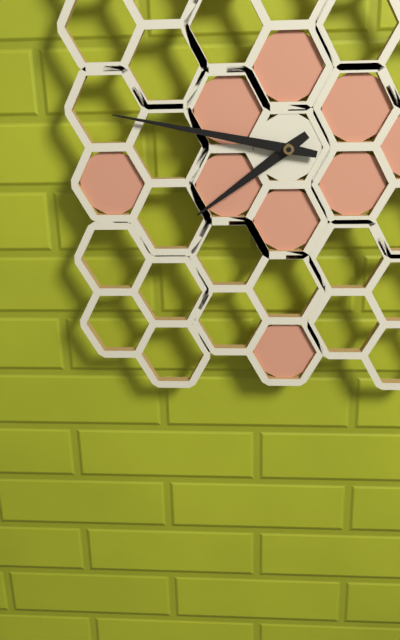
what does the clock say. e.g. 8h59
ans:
7h47
